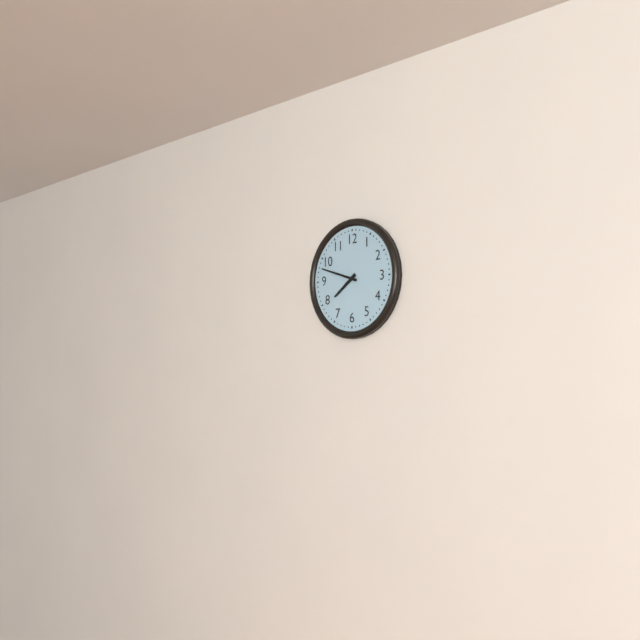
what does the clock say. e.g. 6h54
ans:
7h48
